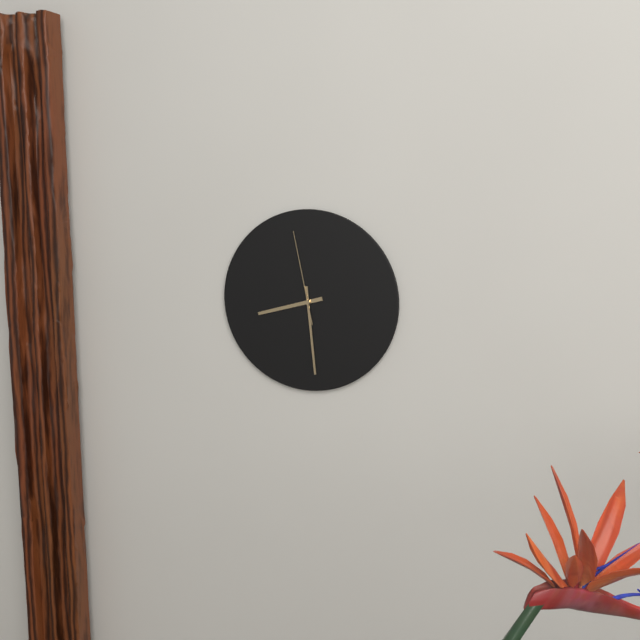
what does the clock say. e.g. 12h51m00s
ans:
8h29m58s
